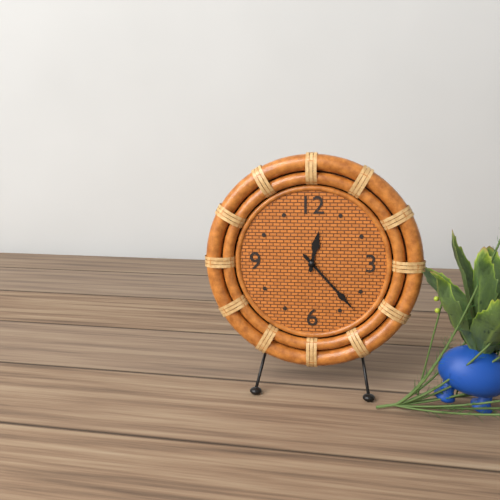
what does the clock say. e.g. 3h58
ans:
12h23
